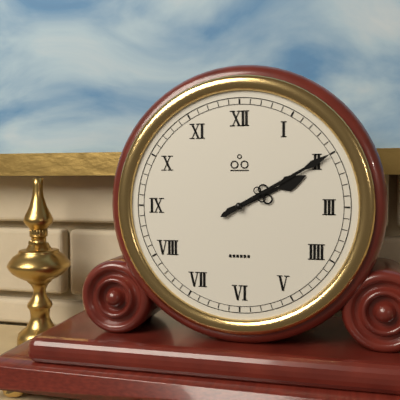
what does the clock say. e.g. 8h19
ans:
2h10
